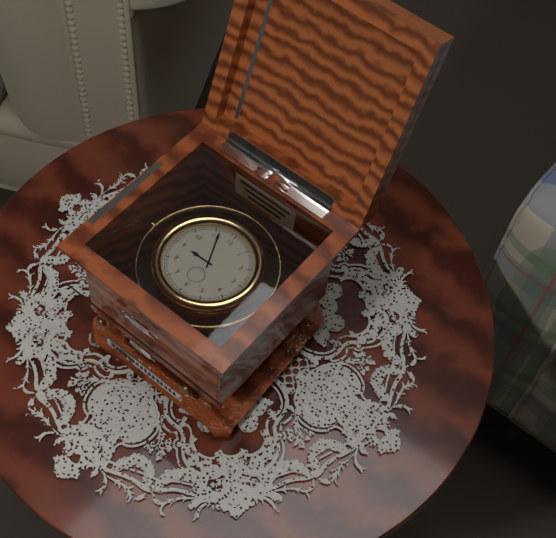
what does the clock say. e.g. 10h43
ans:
8h56
